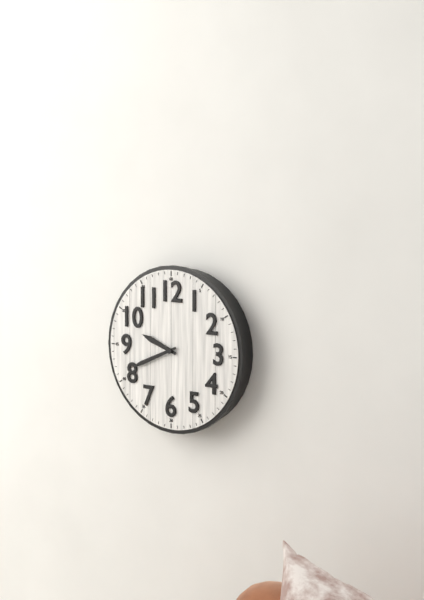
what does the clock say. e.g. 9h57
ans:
9h41
